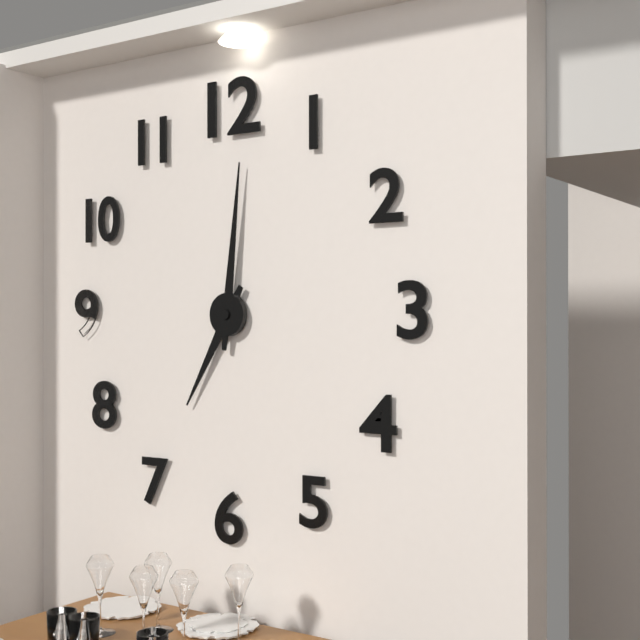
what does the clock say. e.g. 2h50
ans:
7h01
